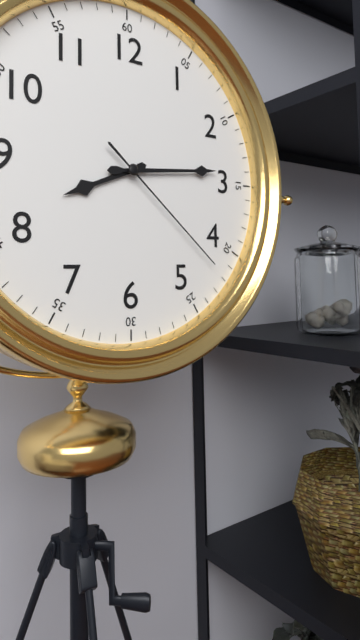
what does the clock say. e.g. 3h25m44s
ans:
8h14m22s
